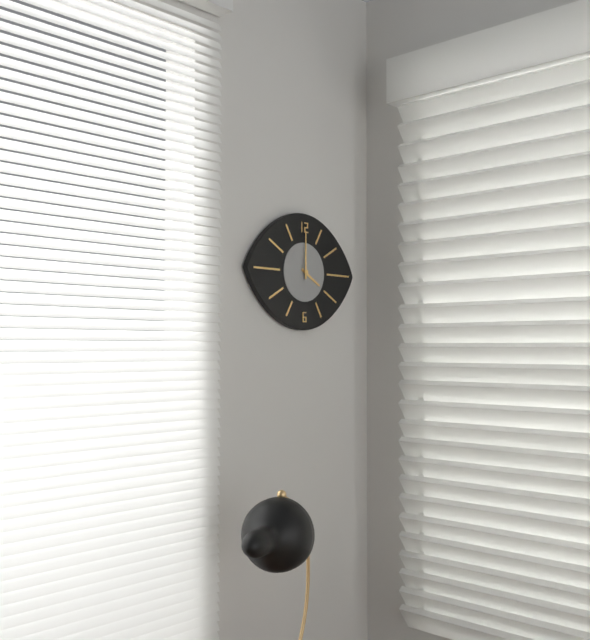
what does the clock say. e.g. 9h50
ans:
4h00
